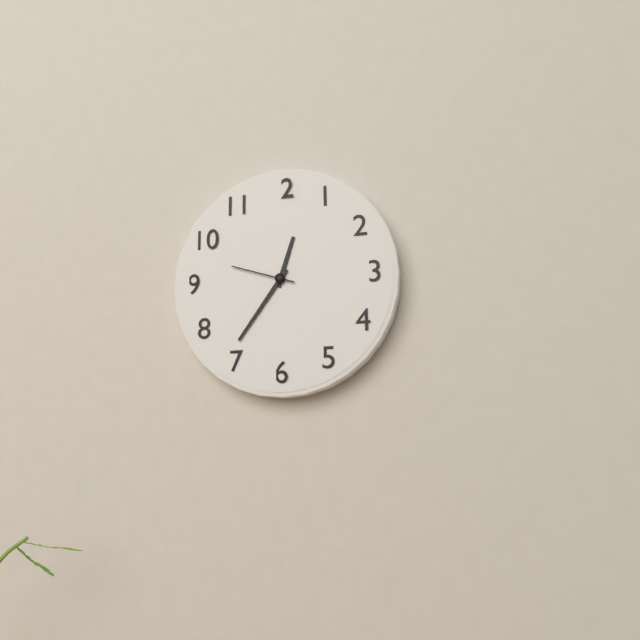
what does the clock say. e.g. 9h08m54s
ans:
12h36m48s
